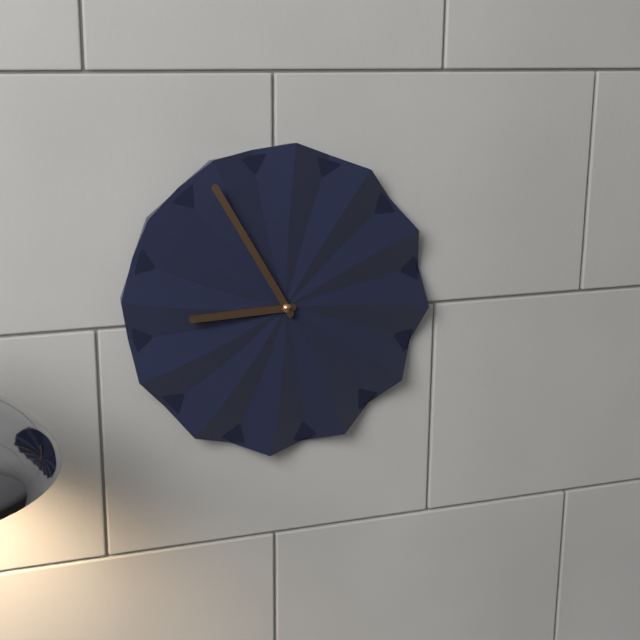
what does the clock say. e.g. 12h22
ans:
8h55
